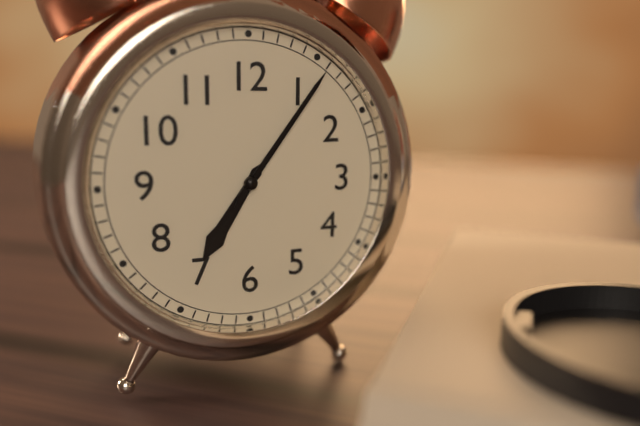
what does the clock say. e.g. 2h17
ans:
7h06
